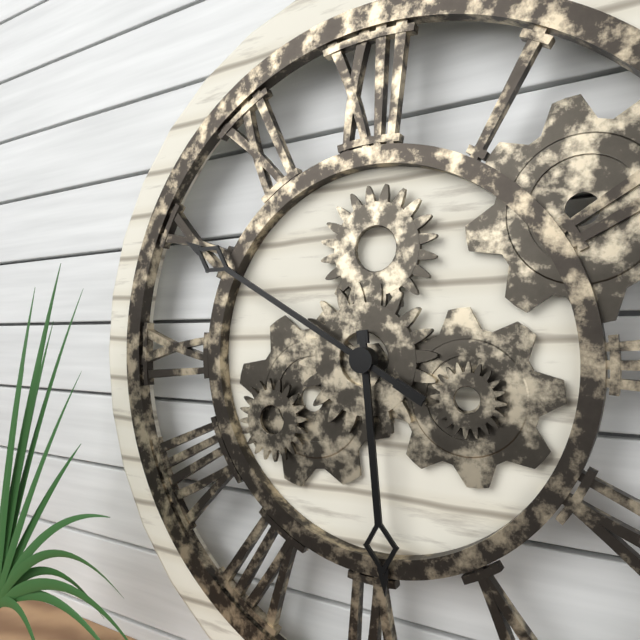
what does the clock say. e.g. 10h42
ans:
5h50
